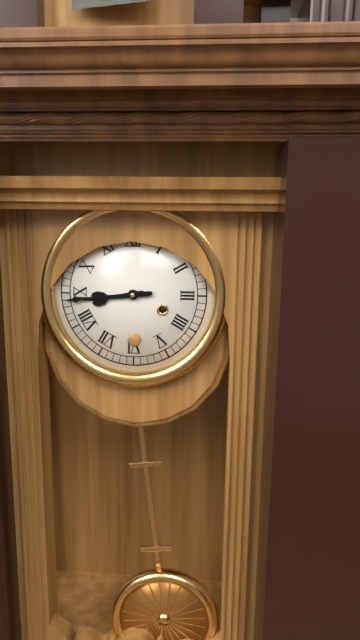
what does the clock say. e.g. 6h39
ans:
8h44
